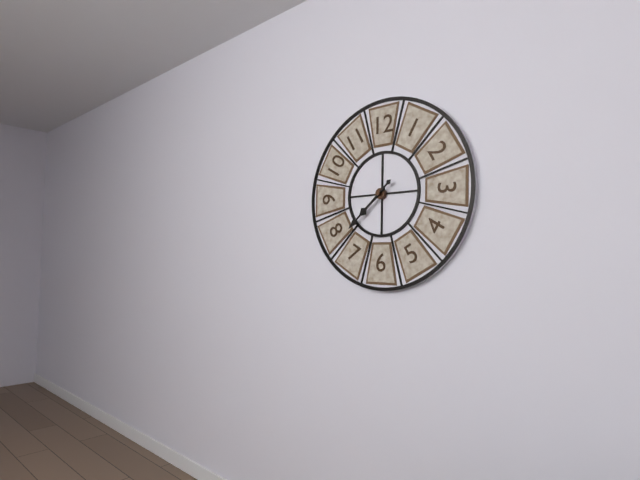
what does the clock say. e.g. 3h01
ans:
7h38
